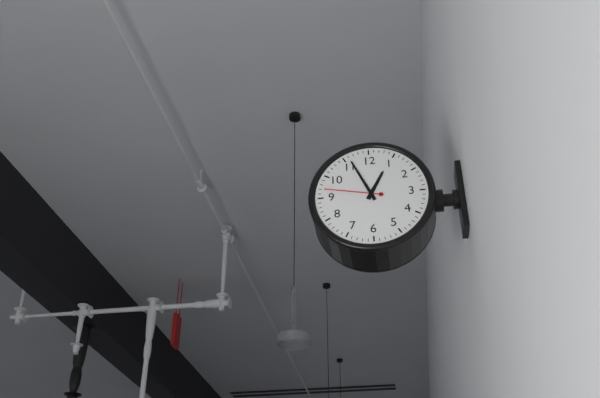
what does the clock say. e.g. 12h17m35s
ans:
12h56m47s
